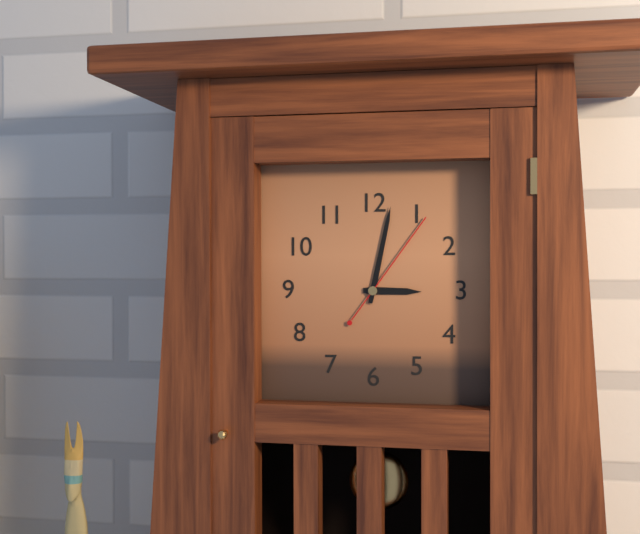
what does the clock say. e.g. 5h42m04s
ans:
3h02m06s
